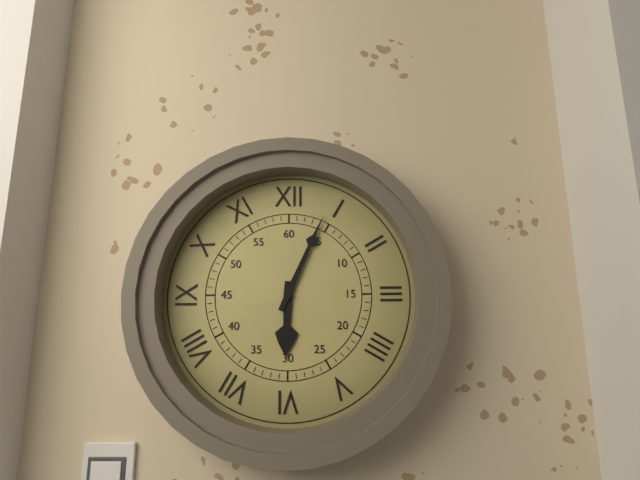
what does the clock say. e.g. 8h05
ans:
6h04
